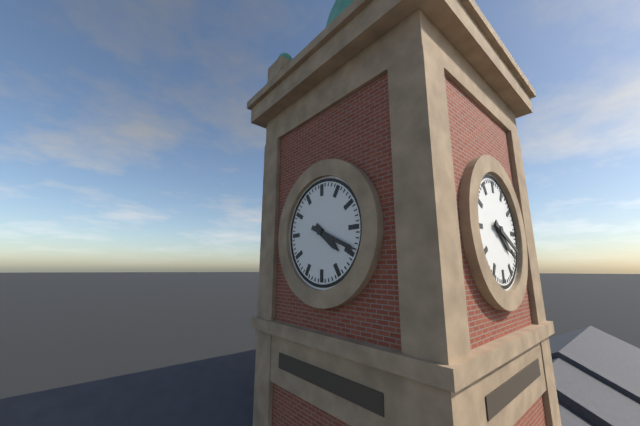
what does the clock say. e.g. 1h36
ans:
4h19
